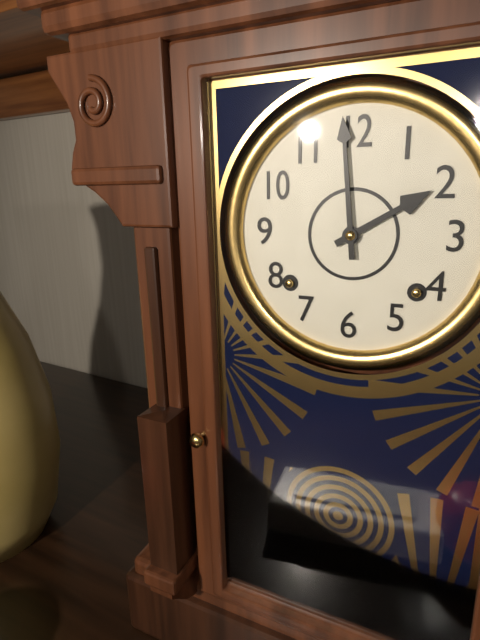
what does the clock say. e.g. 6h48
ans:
1h59
